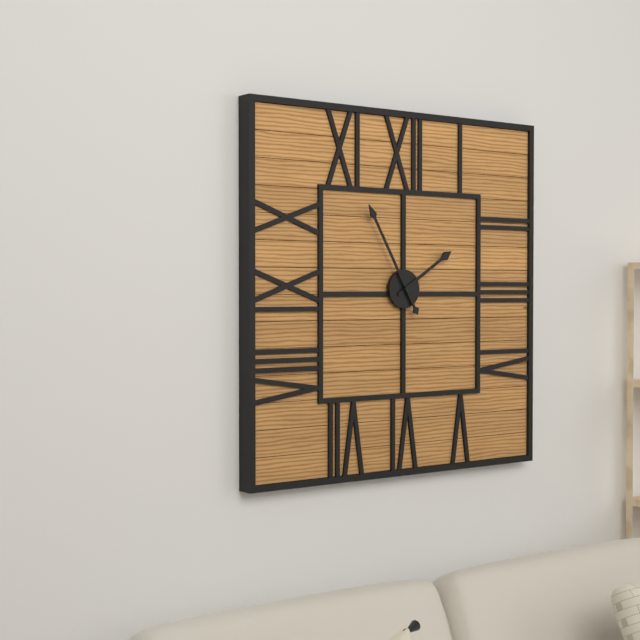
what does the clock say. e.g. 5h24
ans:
1h55
